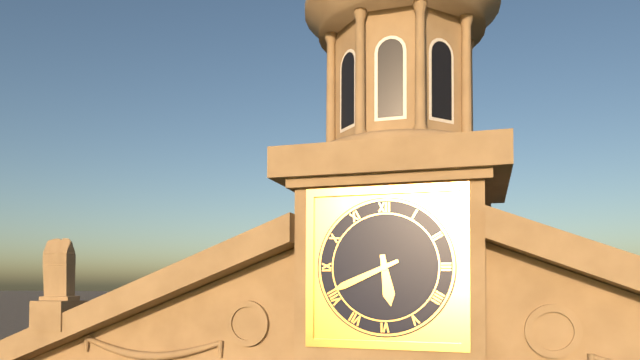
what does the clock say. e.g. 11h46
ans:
5h41
